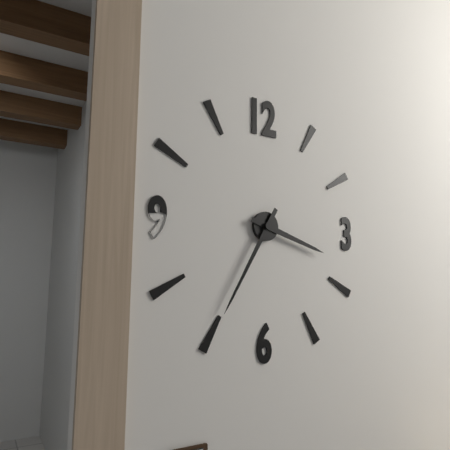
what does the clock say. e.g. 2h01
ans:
3h35
